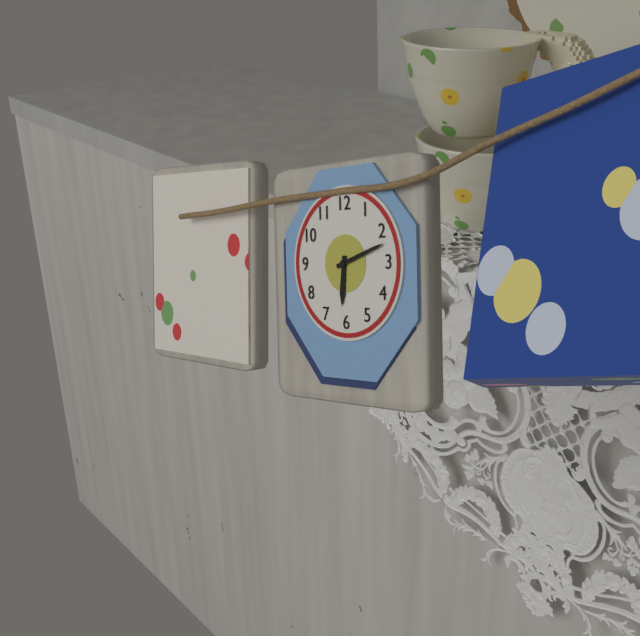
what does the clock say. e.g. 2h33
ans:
6h12
